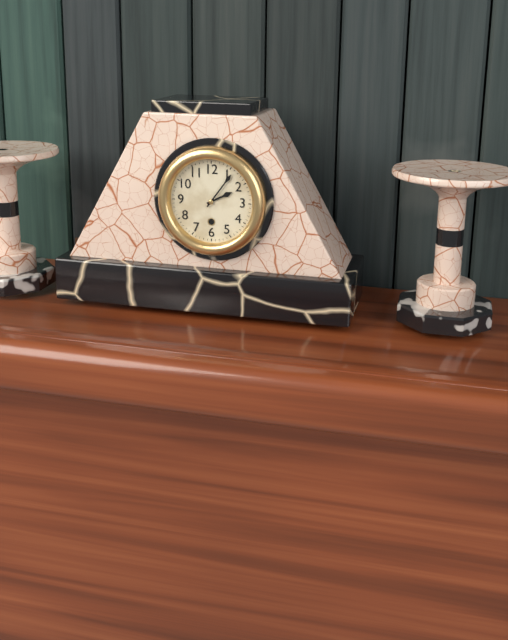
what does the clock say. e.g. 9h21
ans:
2h06
